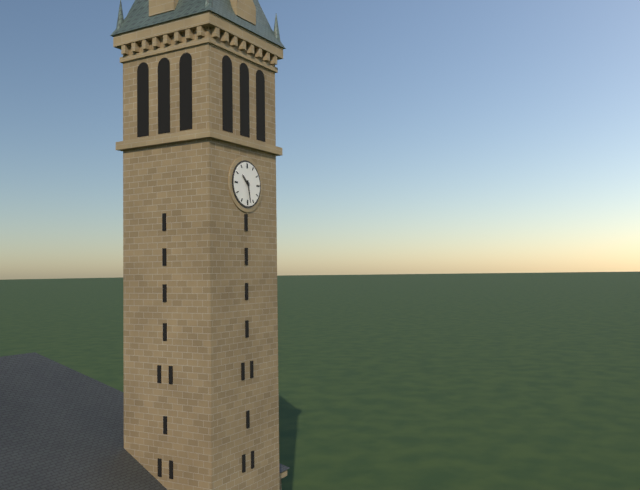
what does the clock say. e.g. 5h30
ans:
10h28
